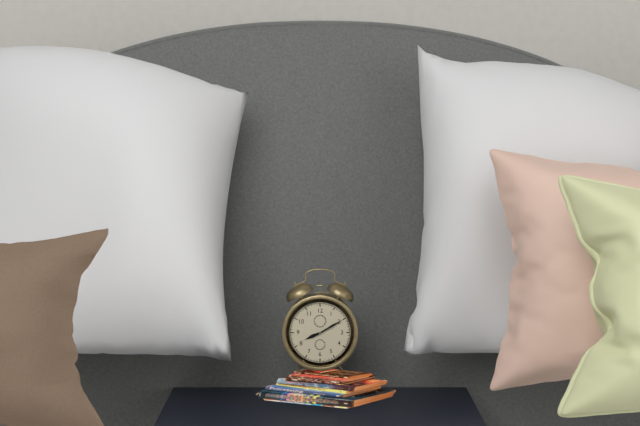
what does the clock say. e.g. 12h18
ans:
8h10
